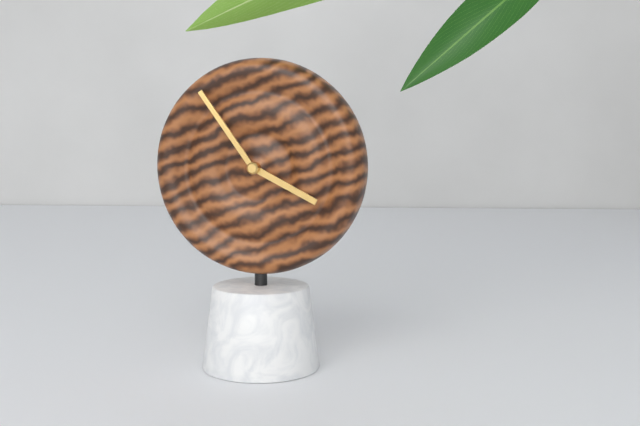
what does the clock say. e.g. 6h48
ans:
3h54
